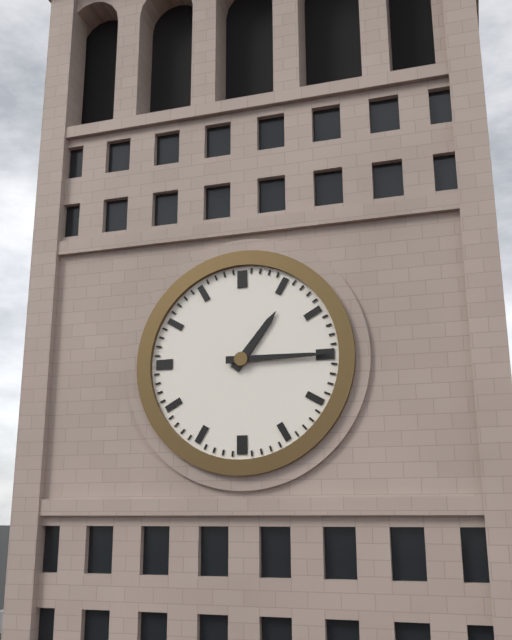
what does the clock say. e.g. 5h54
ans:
1h15
